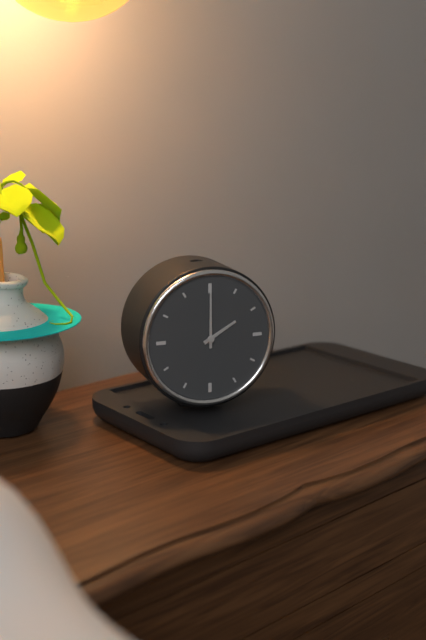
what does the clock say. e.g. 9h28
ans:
2h00
